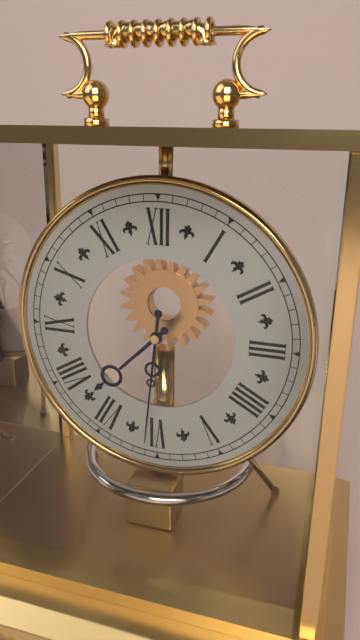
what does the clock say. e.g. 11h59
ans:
7h31
